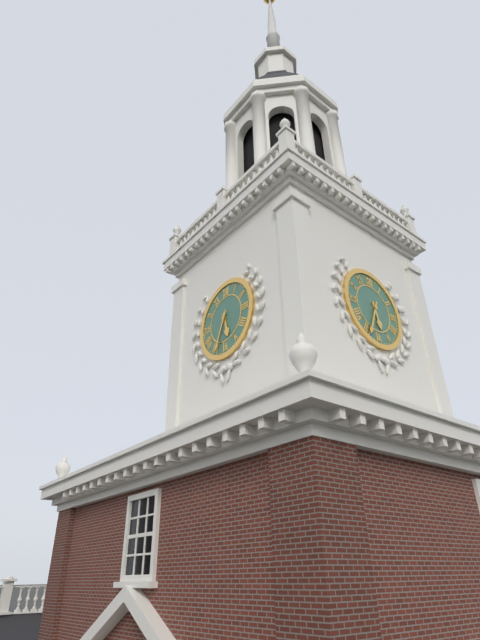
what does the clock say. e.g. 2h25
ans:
5h34
